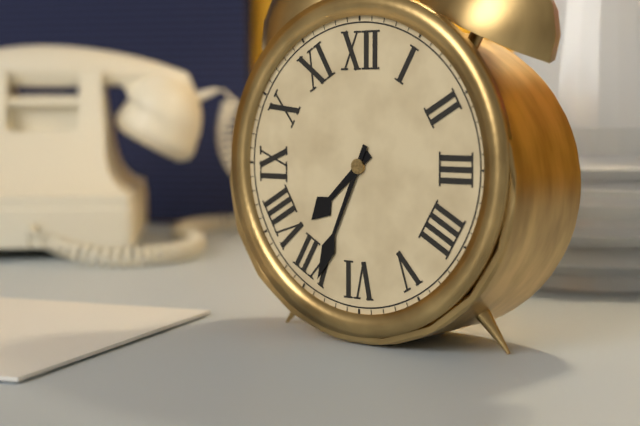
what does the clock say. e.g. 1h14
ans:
7h34
